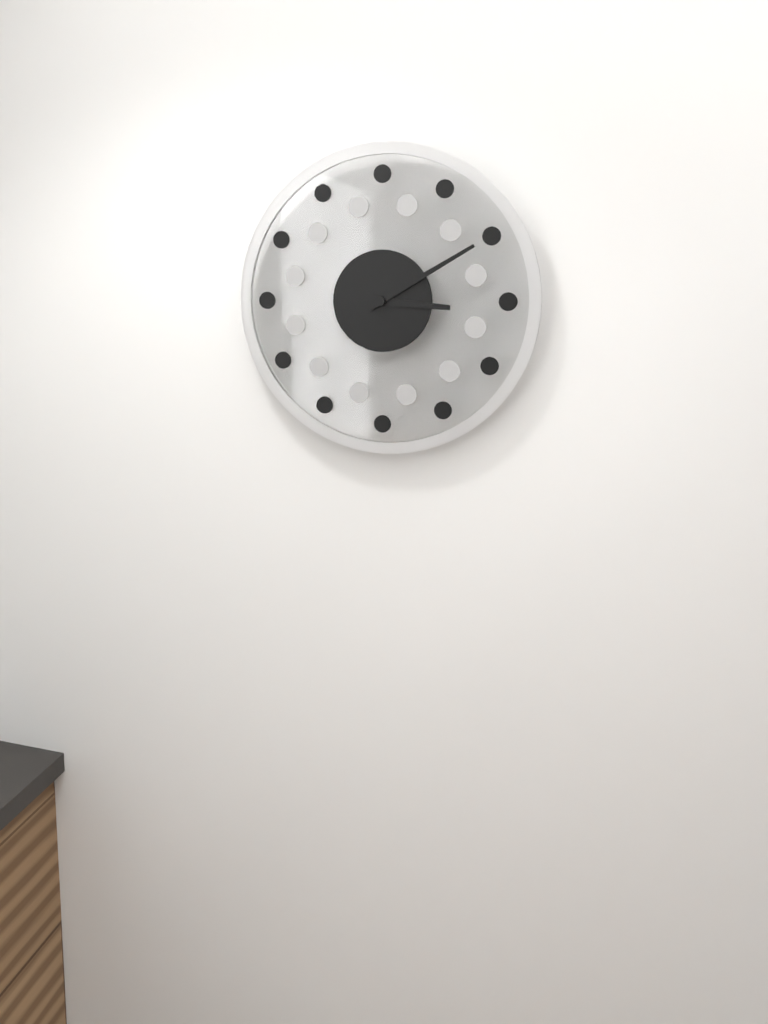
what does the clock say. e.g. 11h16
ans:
3h10
